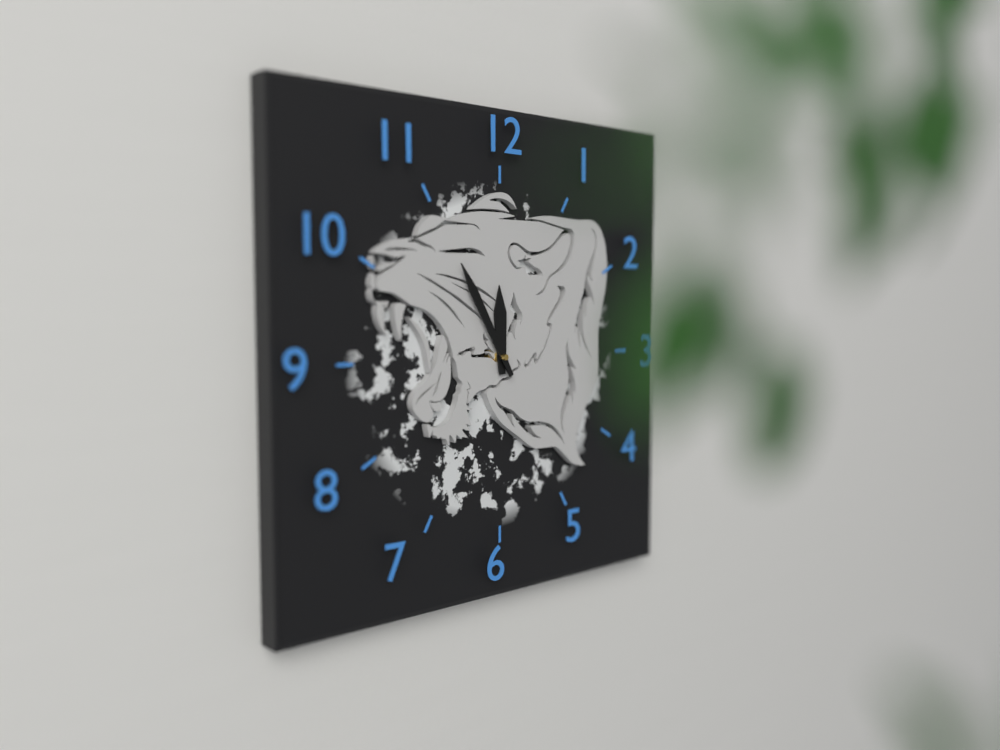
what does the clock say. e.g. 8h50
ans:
11h55
